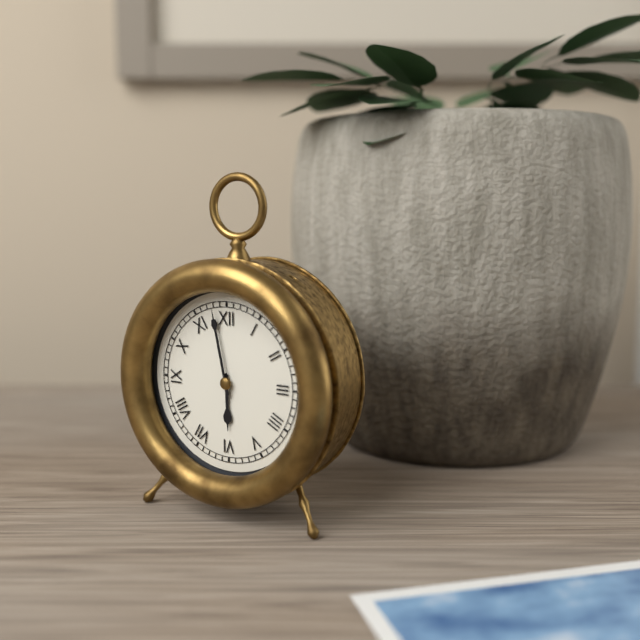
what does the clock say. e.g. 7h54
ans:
5h58
